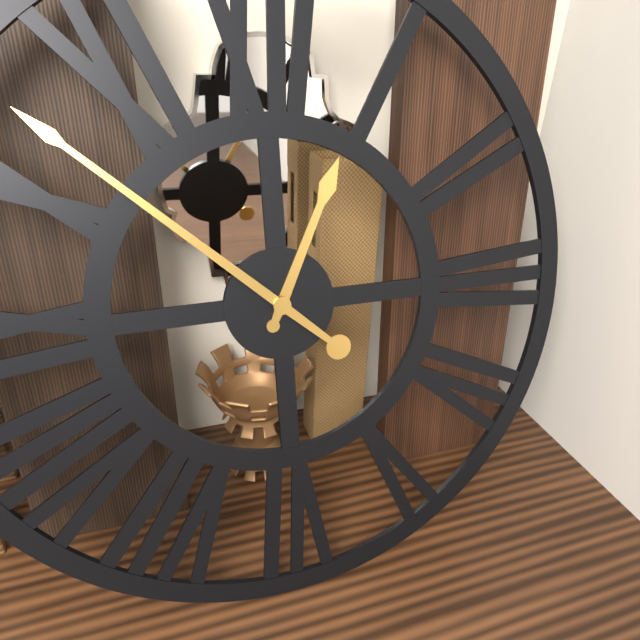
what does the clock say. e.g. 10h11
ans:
12h52
